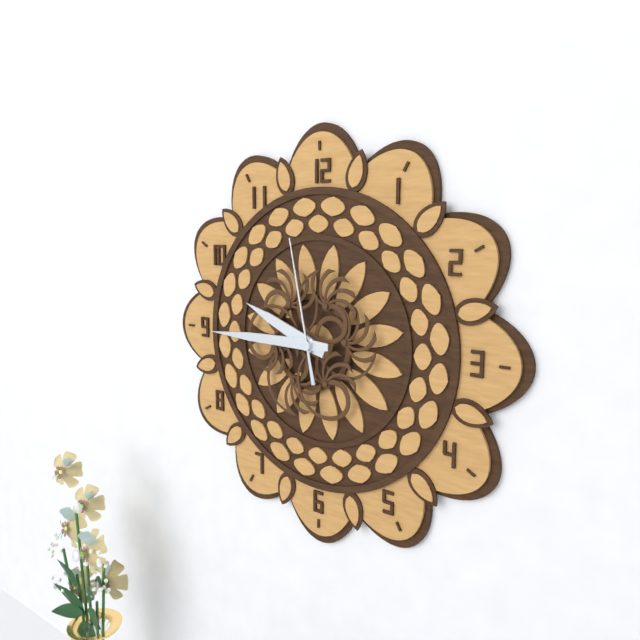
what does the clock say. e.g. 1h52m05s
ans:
9h45m58s
